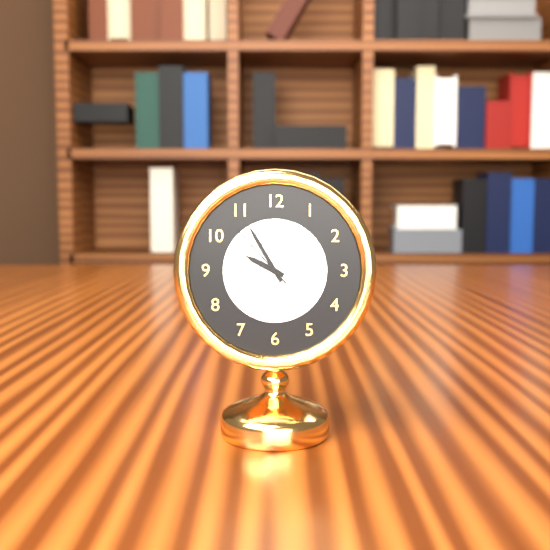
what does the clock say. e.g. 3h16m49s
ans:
9h55m53s
